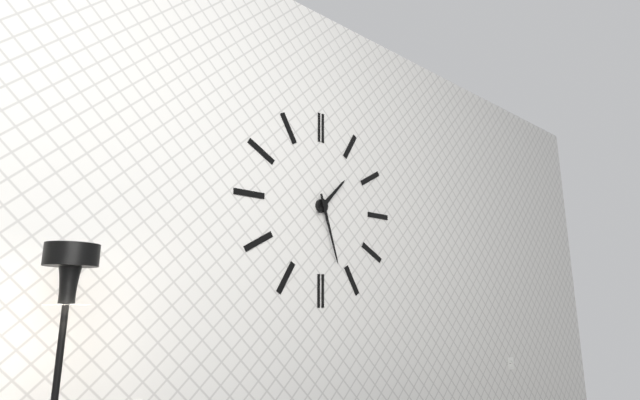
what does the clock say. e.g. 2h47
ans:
1h27
